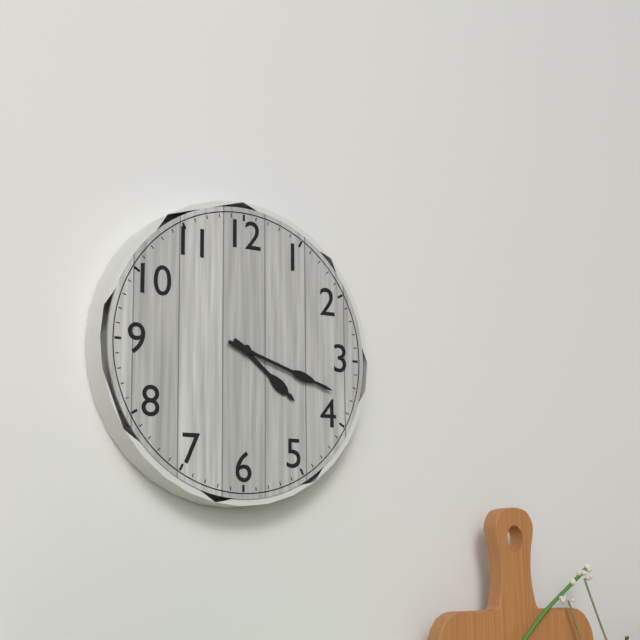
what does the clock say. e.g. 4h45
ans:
4h18
